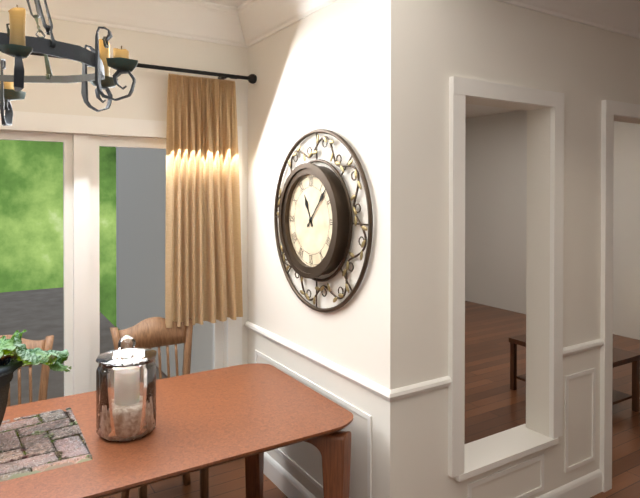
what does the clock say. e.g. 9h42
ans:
11h07
